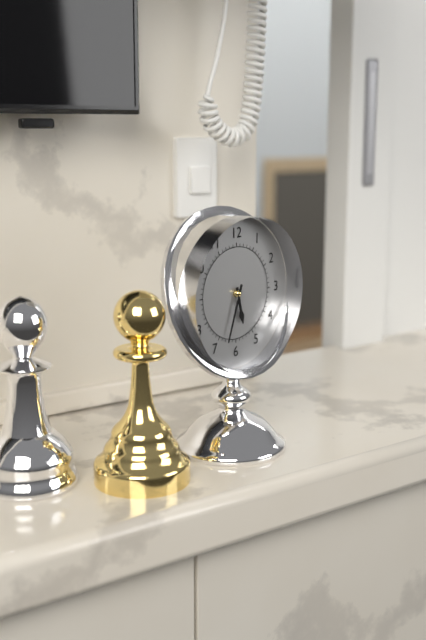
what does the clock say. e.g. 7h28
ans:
5h33
